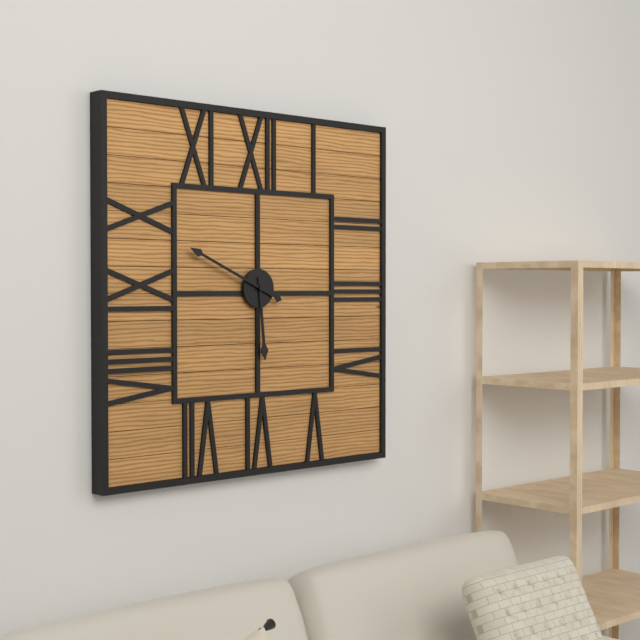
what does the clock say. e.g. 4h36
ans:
5h49
